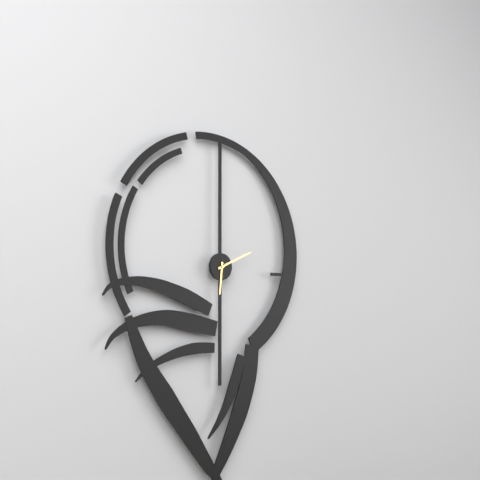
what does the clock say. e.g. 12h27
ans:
6h11
